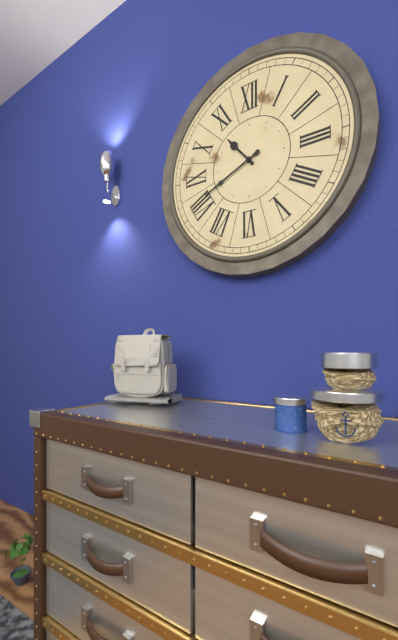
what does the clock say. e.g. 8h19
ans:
10h41
